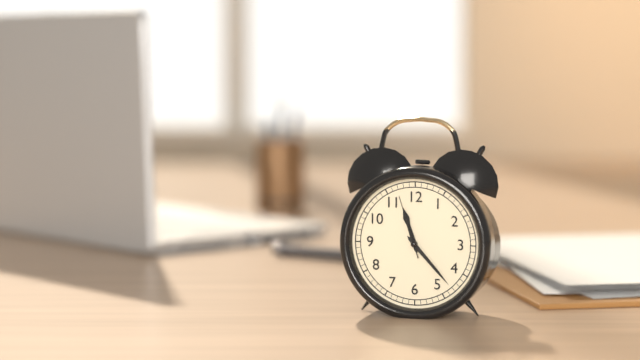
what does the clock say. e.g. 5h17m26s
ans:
11h23m57s
